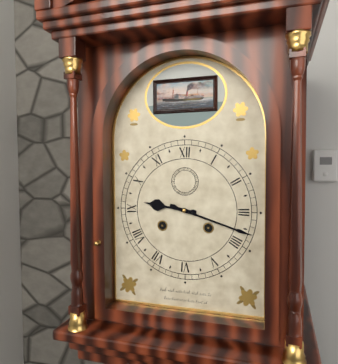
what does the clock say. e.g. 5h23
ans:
9h18
